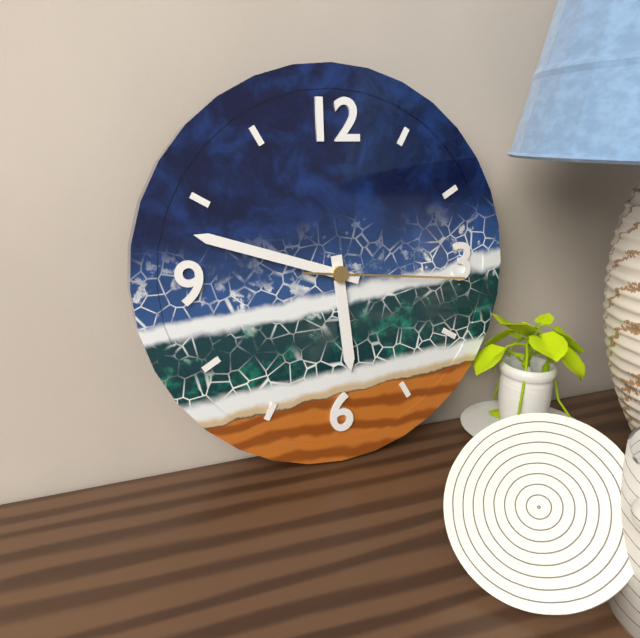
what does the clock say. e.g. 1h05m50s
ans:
5h48m16s
